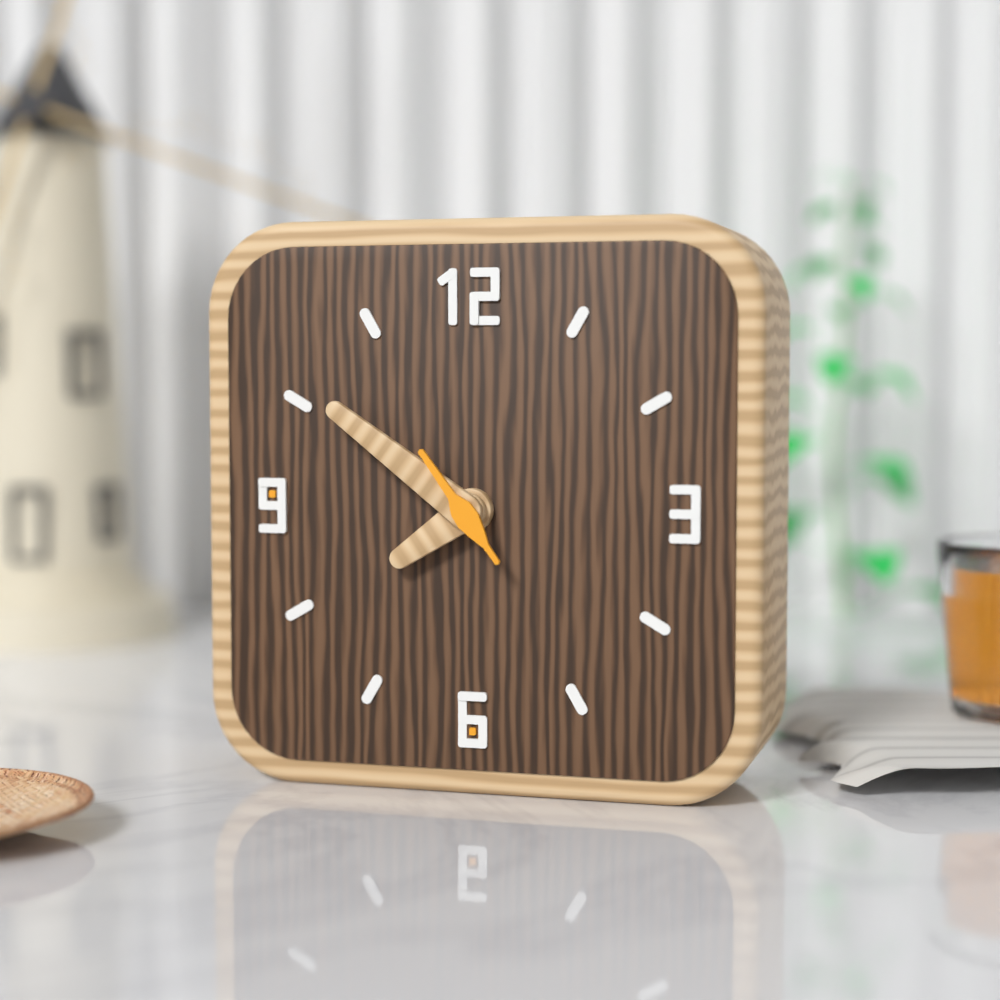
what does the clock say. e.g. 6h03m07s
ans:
7h51m54s
